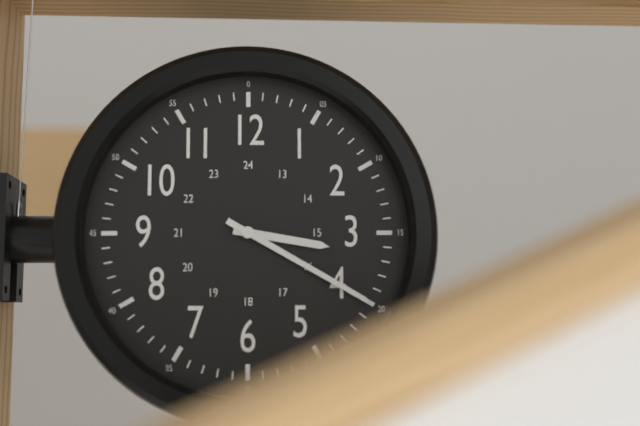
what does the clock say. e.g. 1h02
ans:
3h20
